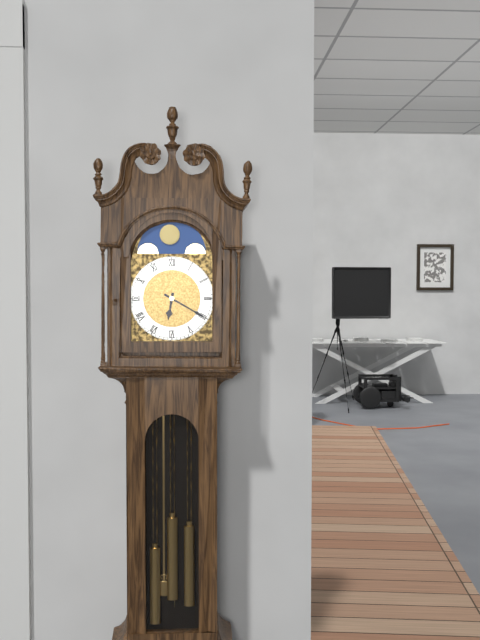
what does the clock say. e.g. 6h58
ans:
6h20
